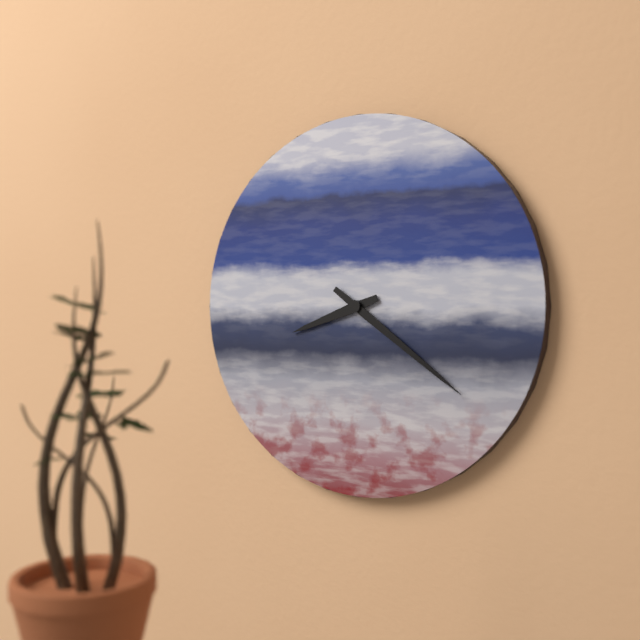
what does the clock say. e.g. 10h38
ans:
8h21
